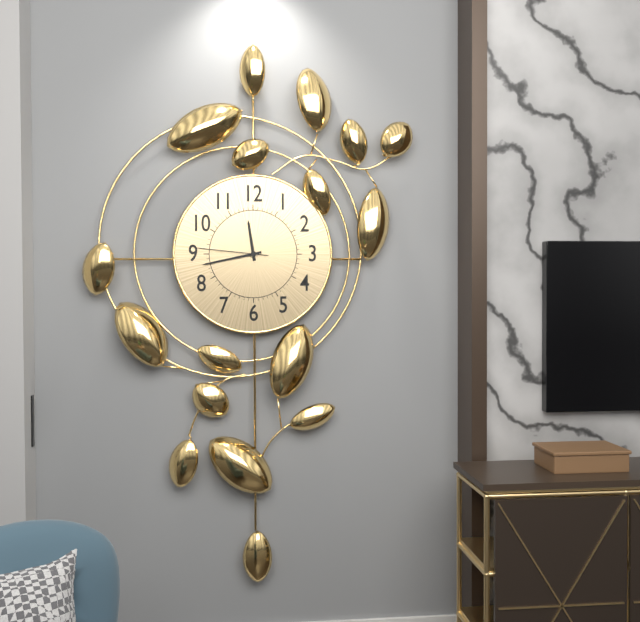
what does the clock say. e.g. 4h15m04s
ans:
11h43m46s
